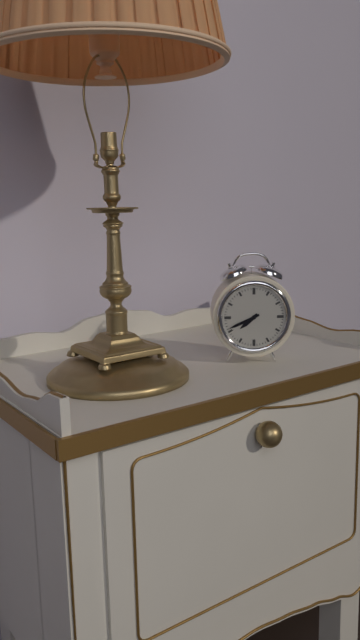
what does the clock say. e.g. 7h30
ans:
7h41
